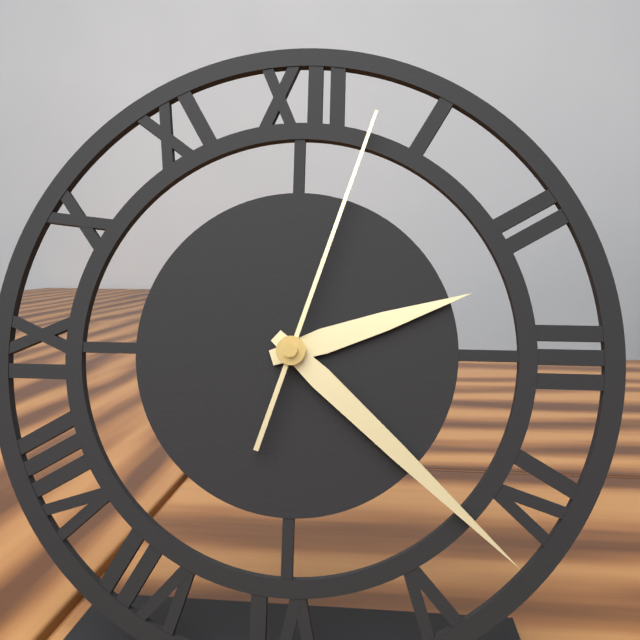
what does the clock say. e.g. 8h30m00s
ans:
2h22m03s
